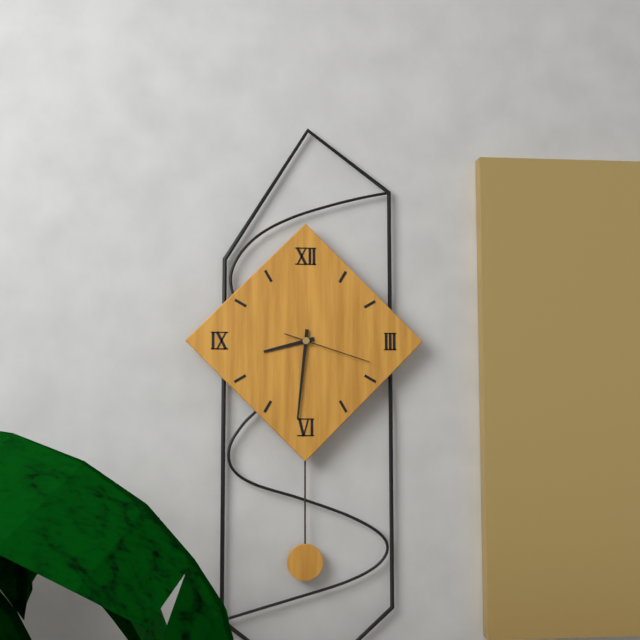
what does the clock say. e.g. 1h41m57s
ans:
8h31m18s
